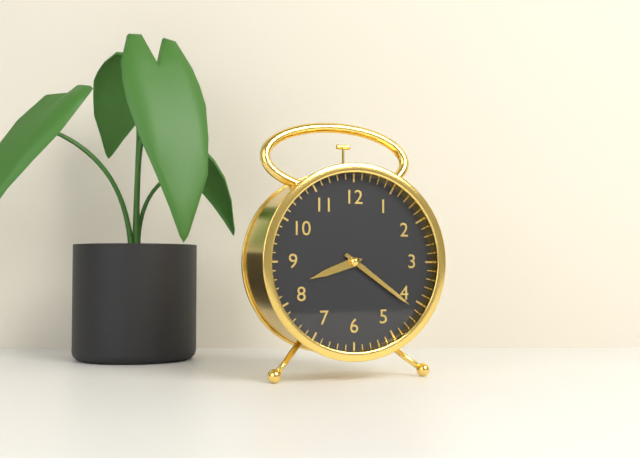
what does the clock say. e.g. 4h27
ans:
8h21
